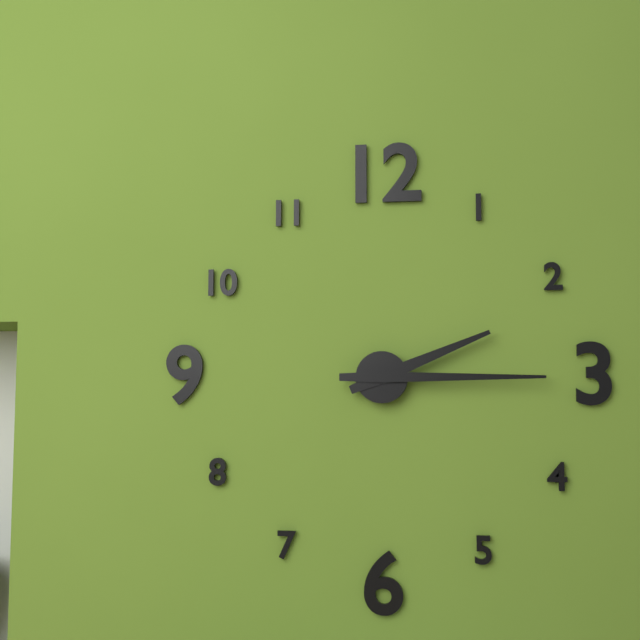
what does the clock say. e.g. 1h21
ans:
2h15
